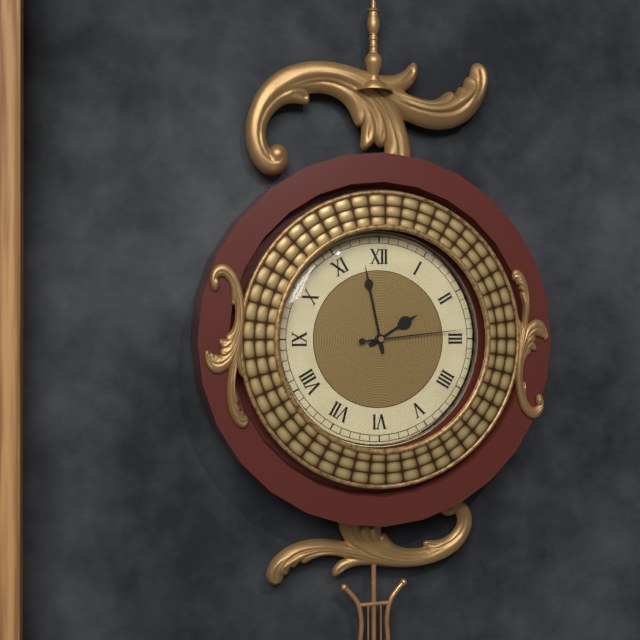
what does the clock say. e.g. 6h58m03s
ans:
1h58m14s
